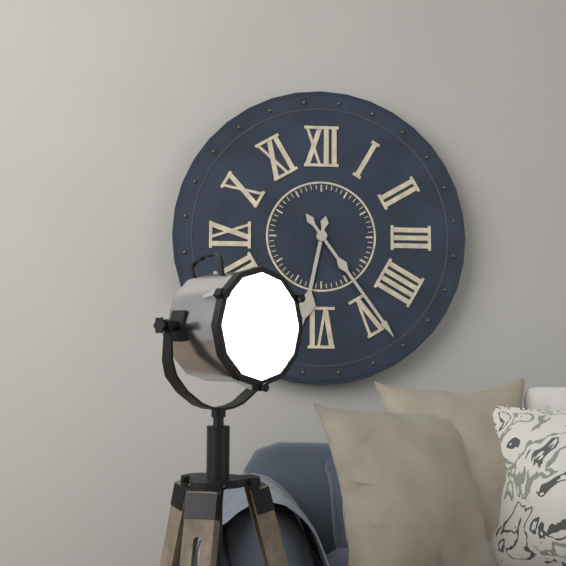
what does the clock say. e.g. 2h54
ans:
6h24
